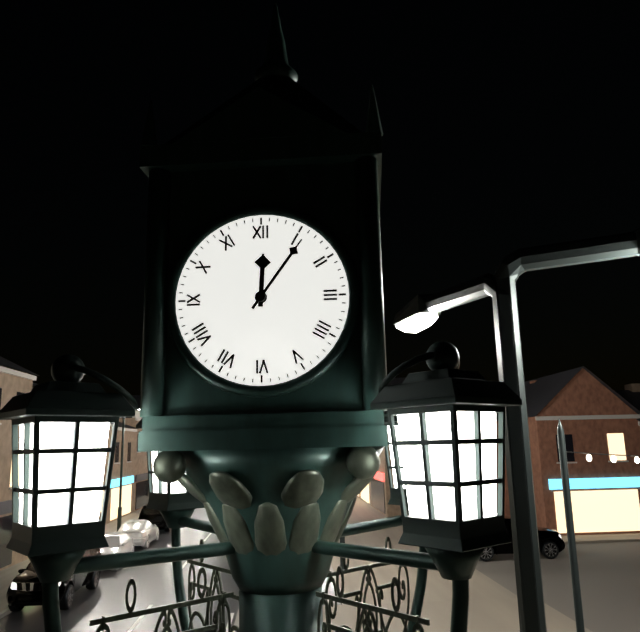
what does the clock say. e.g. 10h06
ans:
12h06
